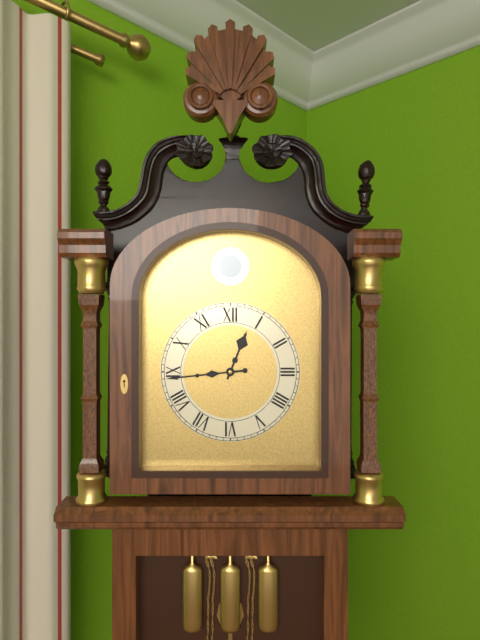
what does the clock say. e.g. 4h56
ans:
12h44
